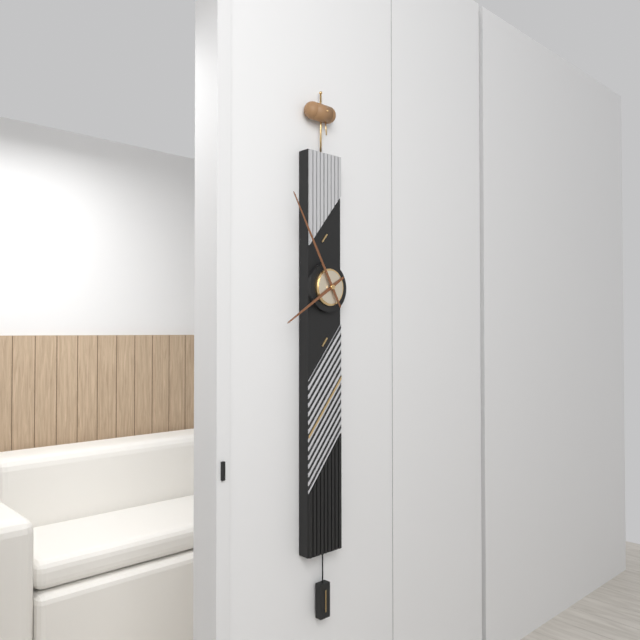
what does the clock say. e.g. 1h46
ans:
7h55
